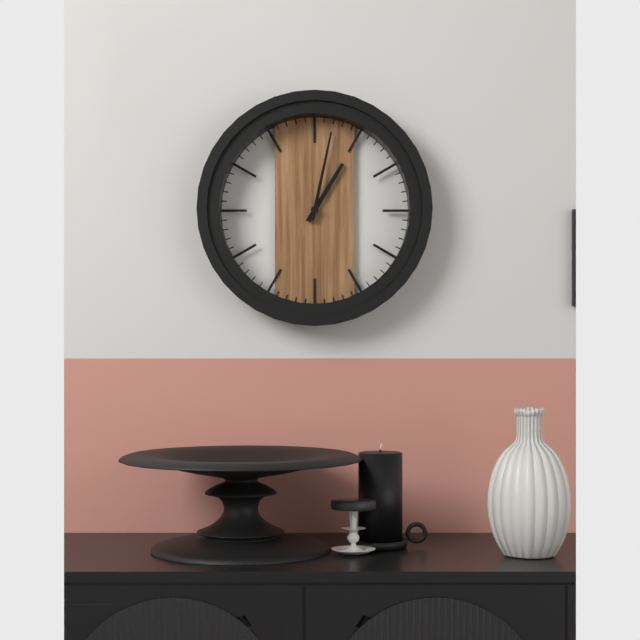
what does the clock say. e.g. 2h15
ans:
1h02
